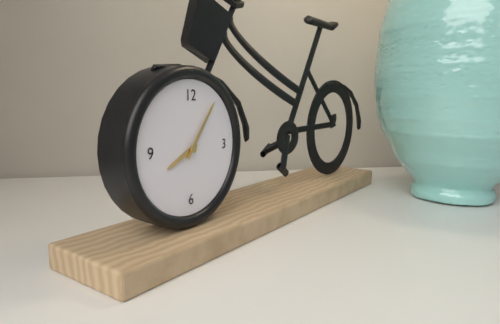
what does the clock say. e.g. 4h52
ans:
8h06
